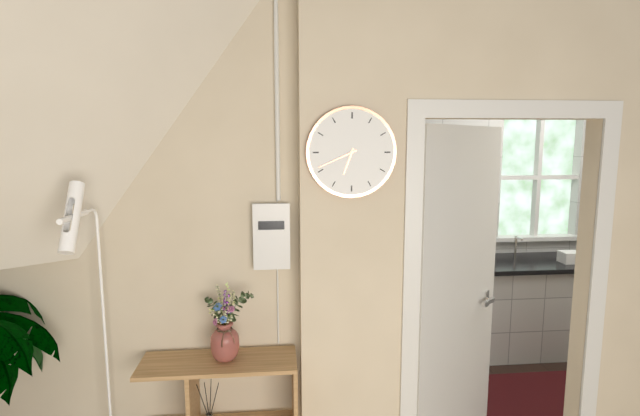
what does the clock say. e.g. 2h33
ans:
6h41
